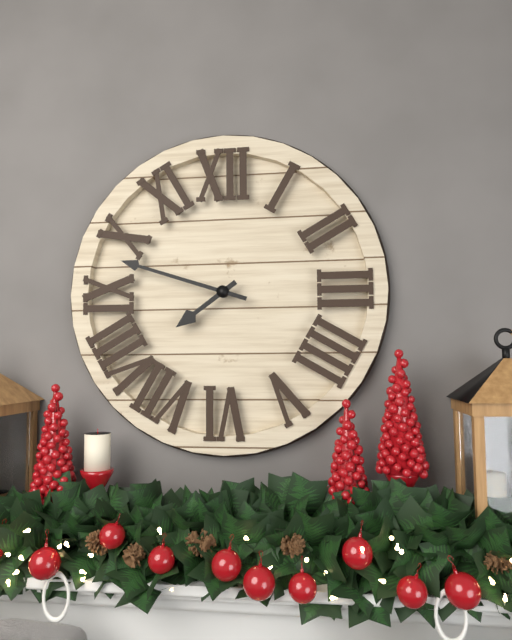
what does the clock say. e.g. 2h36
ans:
7h48
